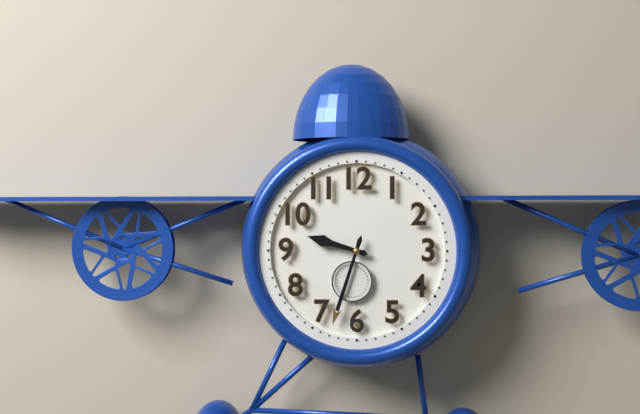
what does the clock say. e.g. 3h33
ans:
9h33
